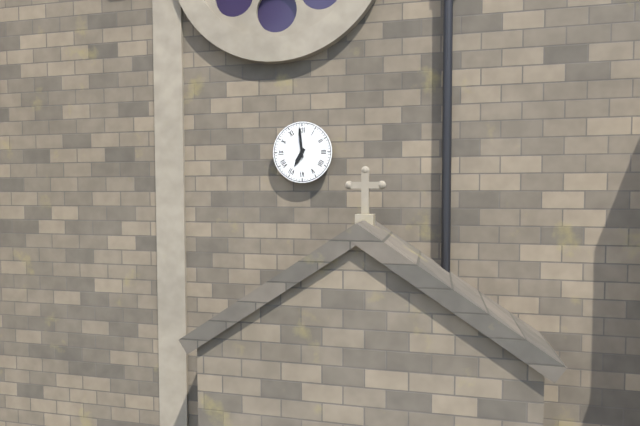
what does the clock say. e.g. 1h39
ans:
6h59
